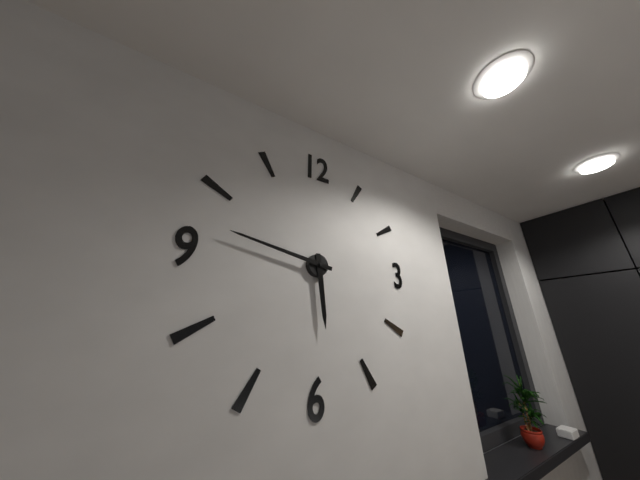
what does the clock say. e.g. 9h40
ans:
5h47
